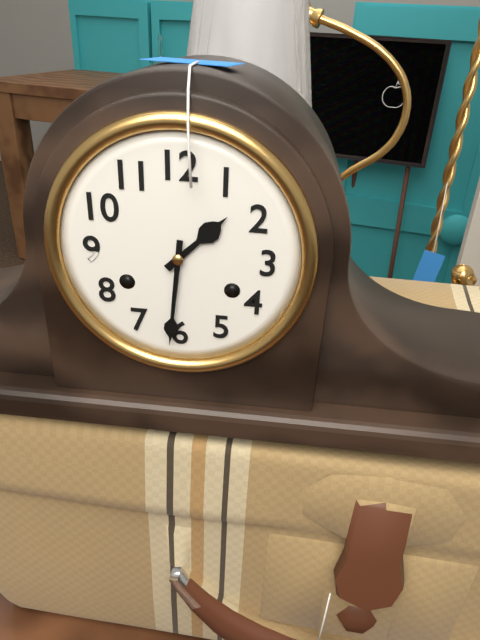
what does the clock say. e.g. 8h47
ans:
1h31
